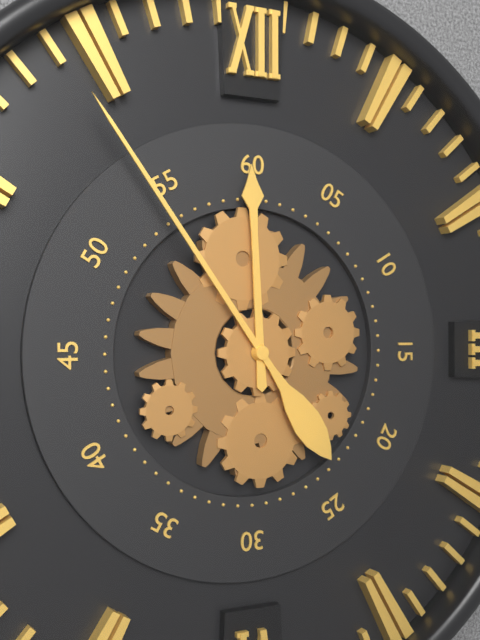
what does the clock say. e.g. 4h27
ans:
11h54
